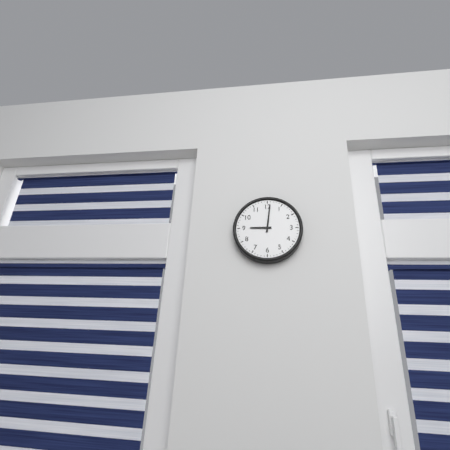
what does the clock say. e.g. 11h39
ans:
9h01
